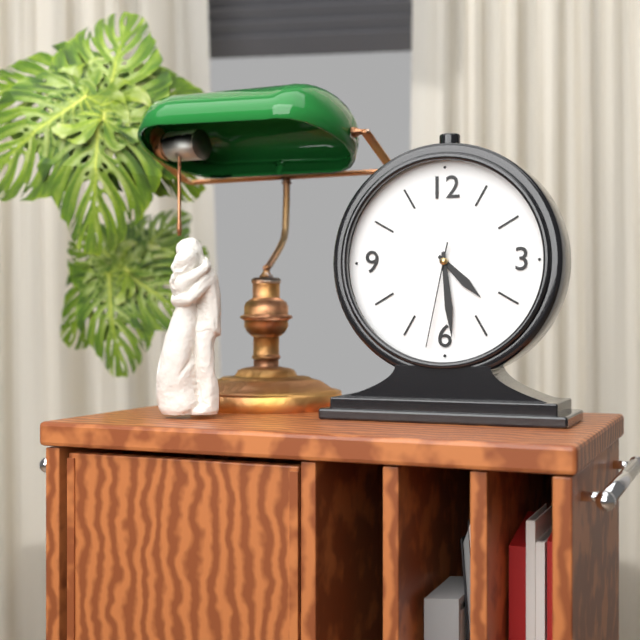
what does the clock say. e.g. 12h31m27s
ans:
4h29m32s
